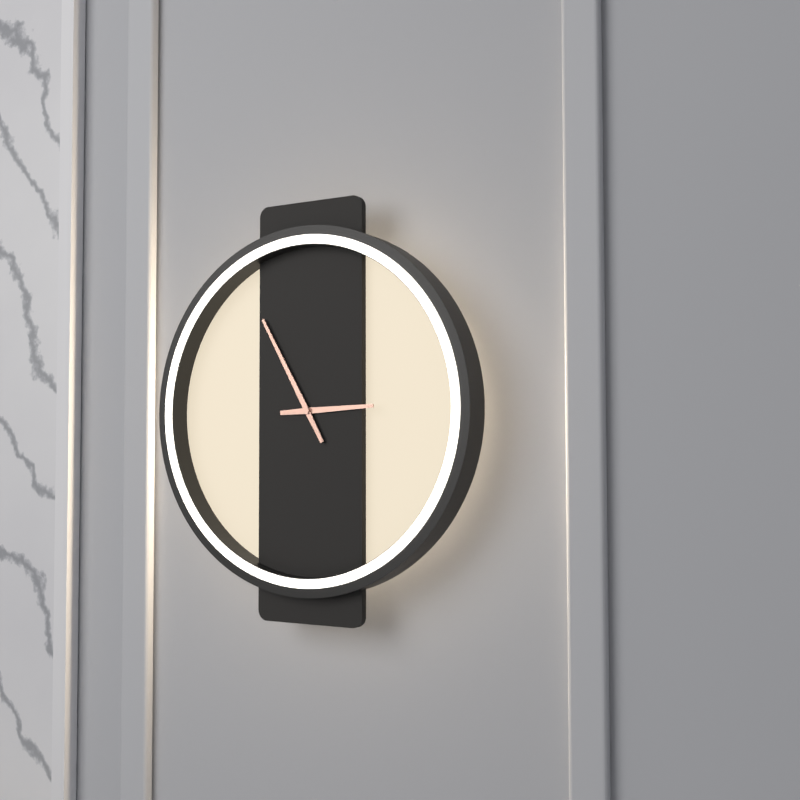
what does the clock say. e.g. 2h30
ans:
2h55
